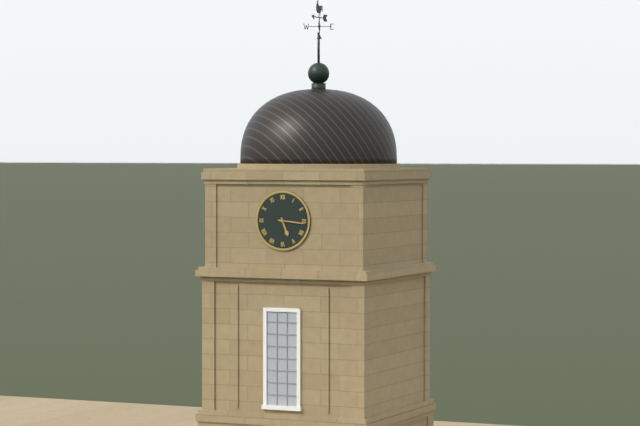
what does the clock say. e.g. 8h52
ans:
5h16
